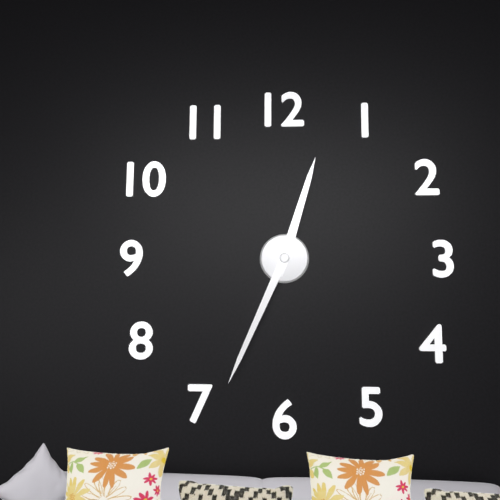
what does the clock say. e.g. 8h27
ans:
12h34
